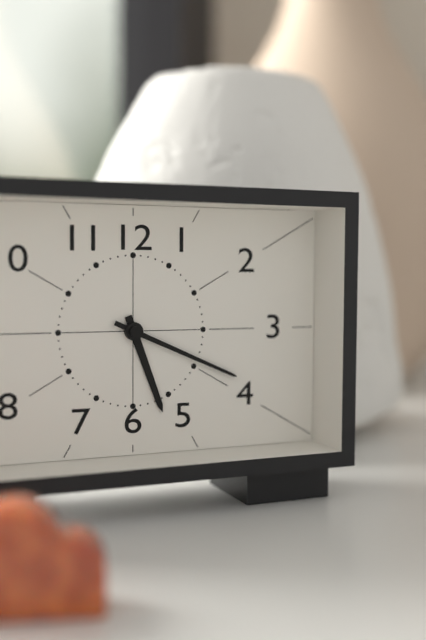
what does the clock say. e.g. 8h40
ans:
5h19
